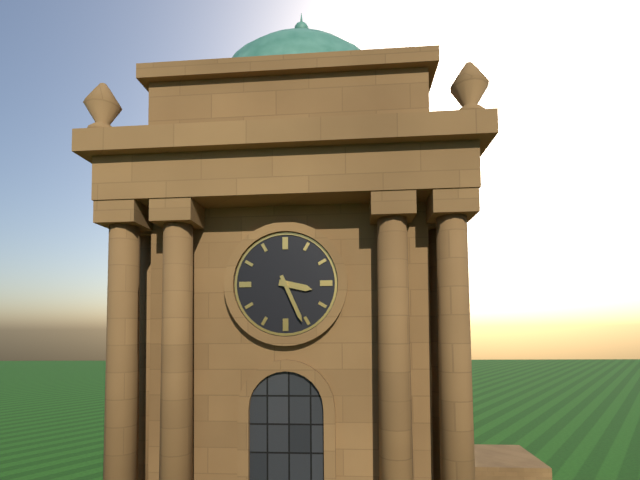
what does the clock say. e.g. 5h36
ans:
3h26
